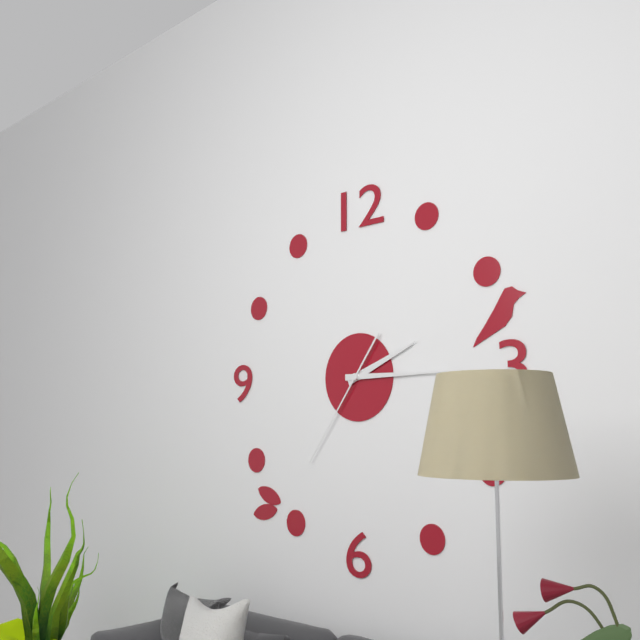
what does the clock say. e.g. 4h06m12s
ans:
2h15m36s
